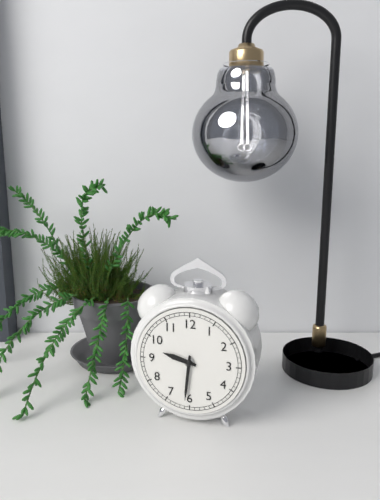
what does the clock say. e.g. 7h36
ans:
9h31
